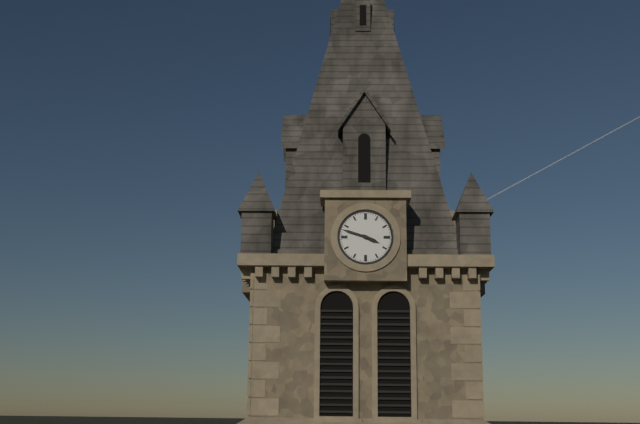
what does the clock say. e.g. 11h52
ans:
3h48
